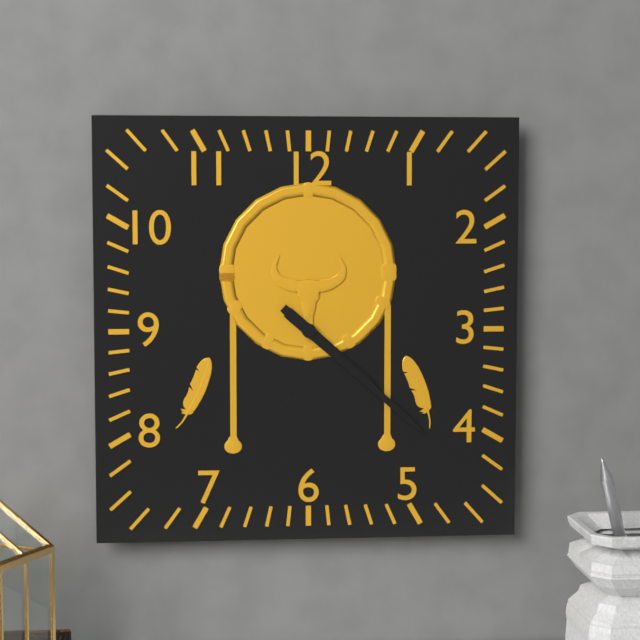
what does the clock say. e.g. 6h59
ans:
4h22
